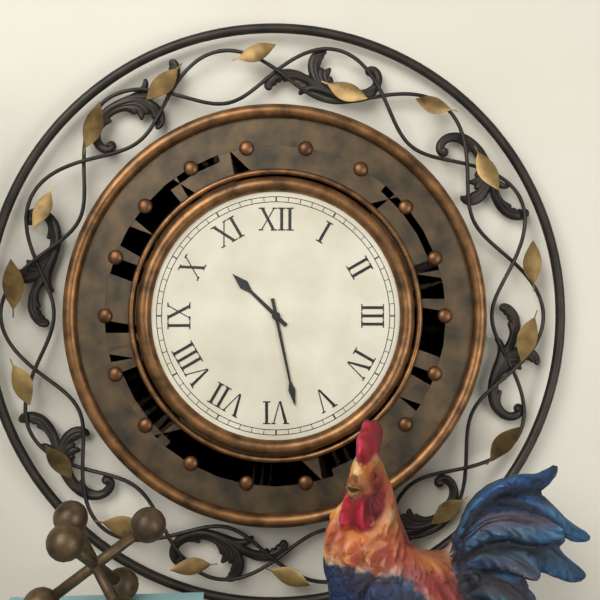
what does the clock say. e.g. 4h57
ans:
10h28
